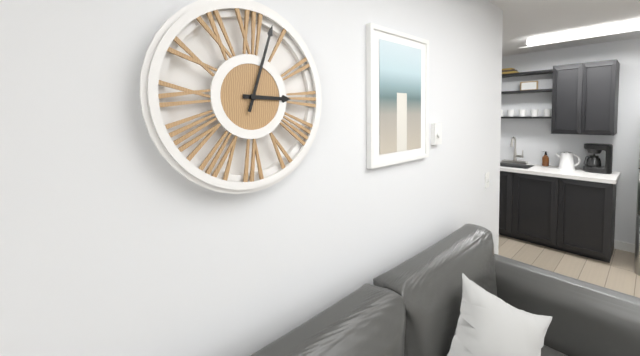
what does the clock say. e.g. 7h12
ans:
3h03
